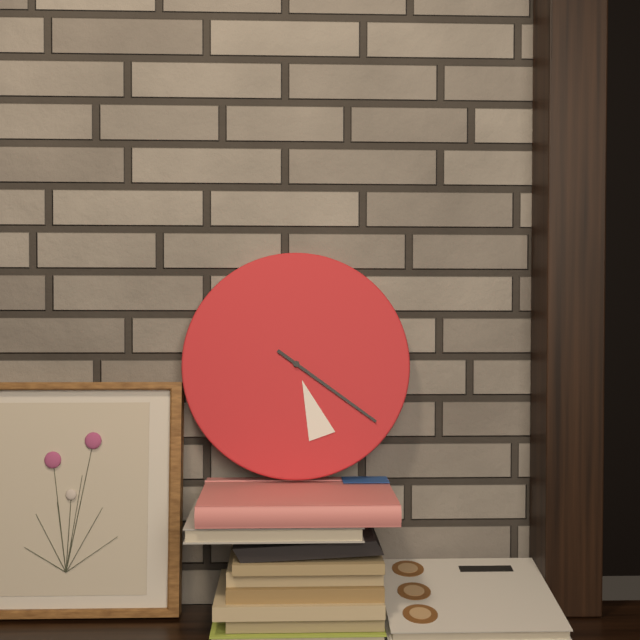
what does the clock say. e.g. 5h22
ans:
5h21
